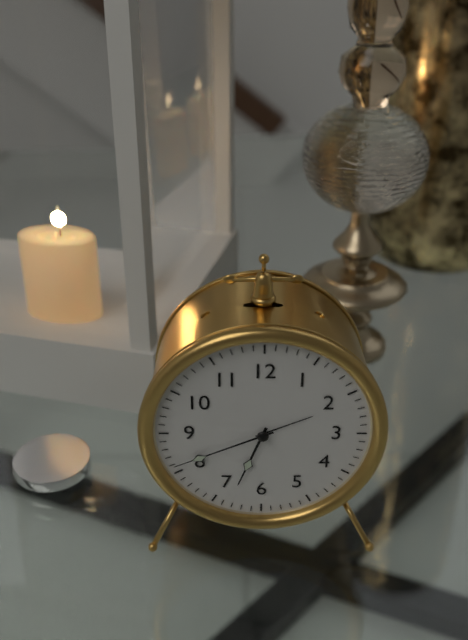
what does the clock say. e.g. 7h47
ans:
6h41
